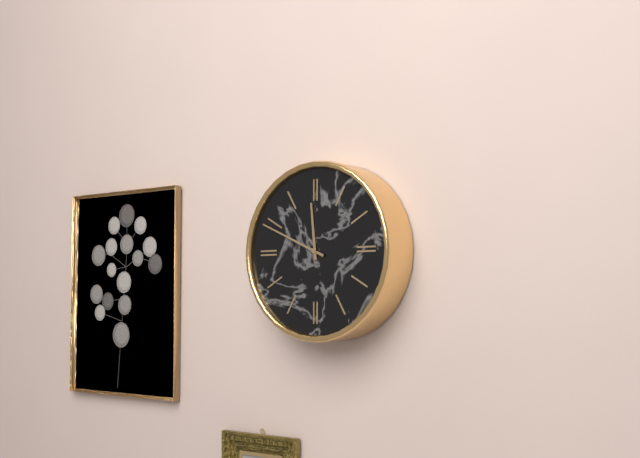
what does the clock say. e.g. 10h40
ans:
11h49
